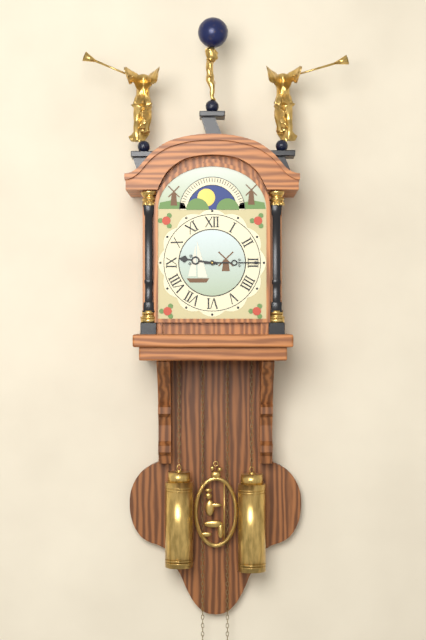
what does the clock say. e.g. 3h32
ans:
9h15
